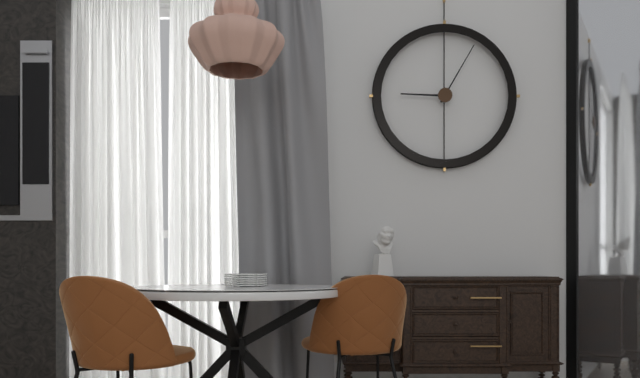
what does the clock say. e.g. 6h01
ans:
9h05
